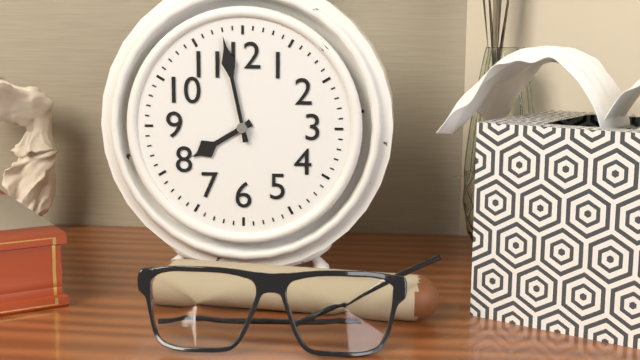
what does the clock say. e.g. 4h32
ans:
7h58
